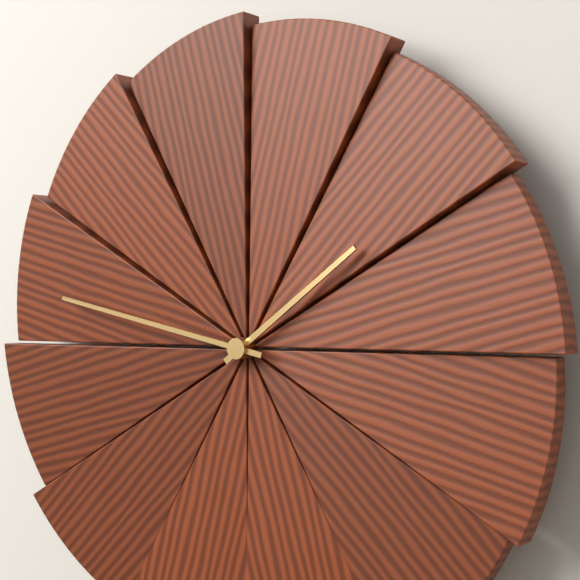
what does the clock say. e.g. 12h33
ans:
1h47
